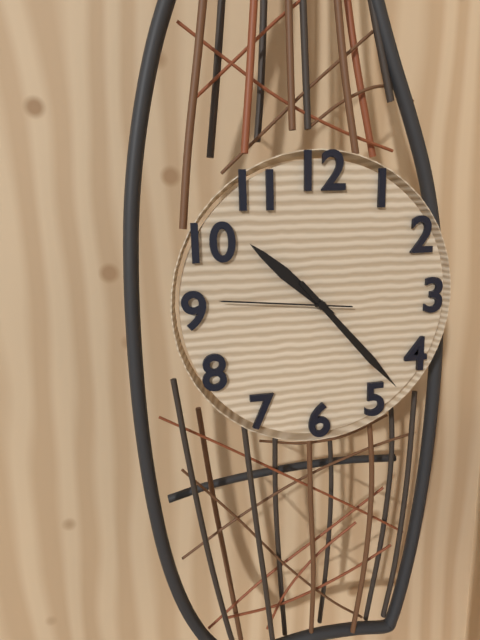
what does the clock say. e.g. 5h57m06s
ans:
10h23m46s
